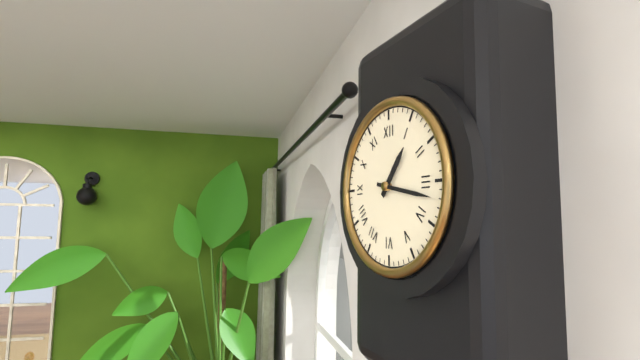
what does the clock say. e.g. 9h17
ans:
1h17
